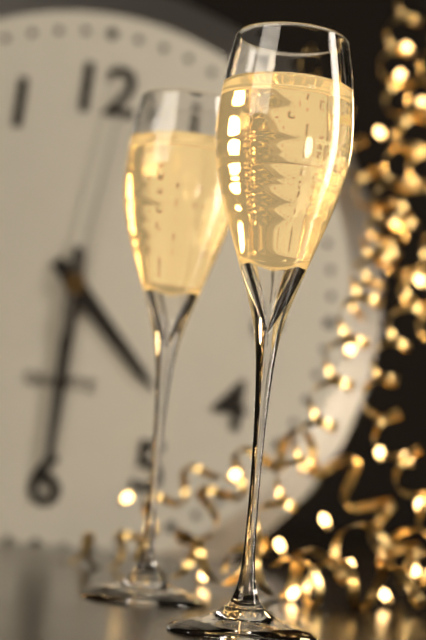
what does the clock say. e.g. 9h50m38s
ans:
4h30m01s
